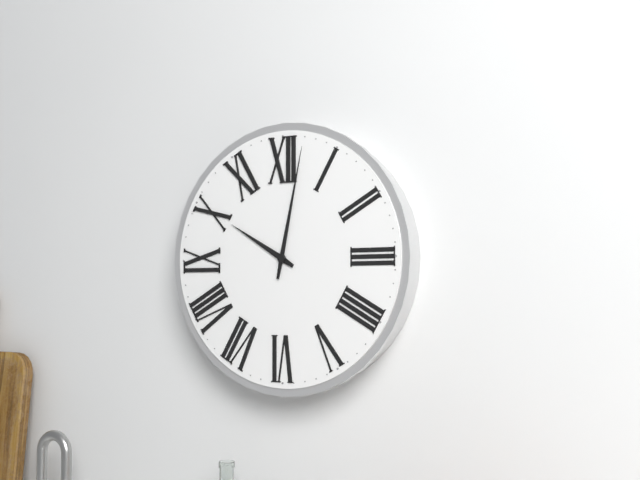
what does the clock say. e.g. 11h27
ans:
10h02
